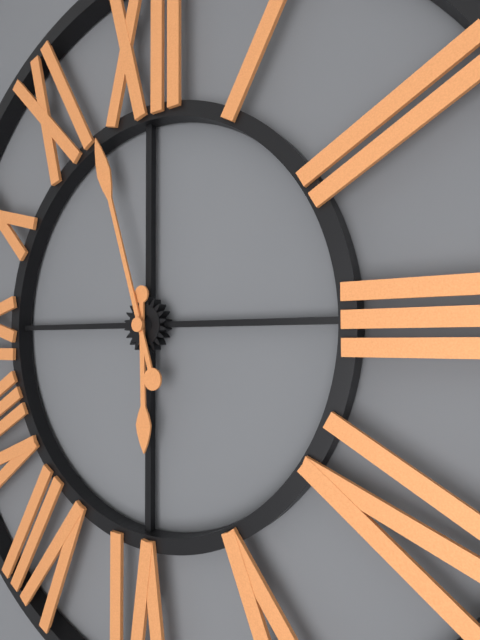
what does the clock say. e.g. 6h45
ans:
5h57
